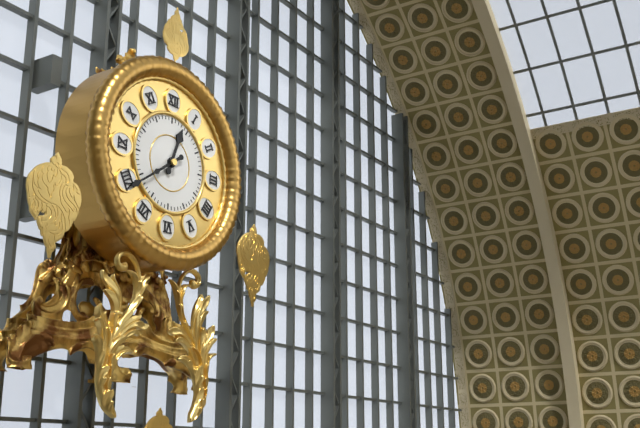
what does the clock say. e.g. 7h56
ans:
12h39
